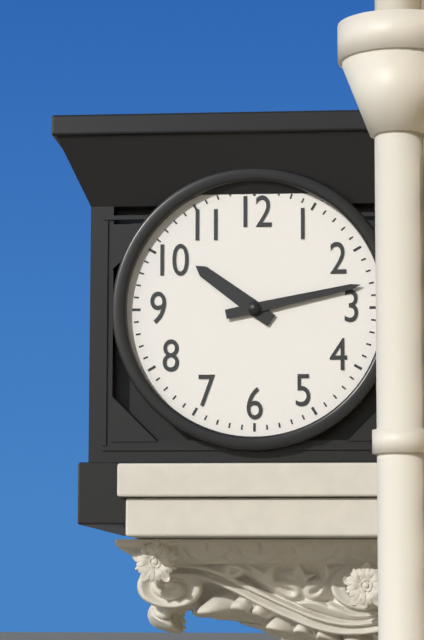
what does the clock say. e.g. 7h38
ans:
10h13
